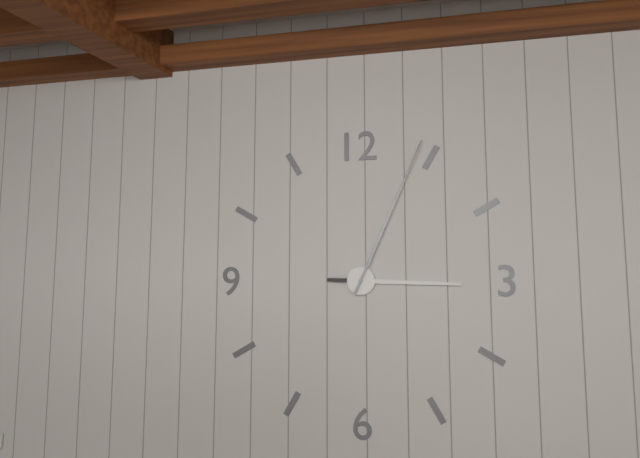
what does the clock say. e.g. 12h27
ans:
3h04
